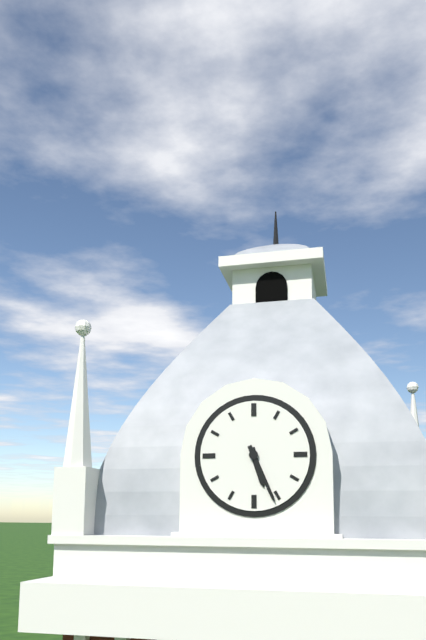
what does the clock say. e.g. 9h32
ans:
5h26
